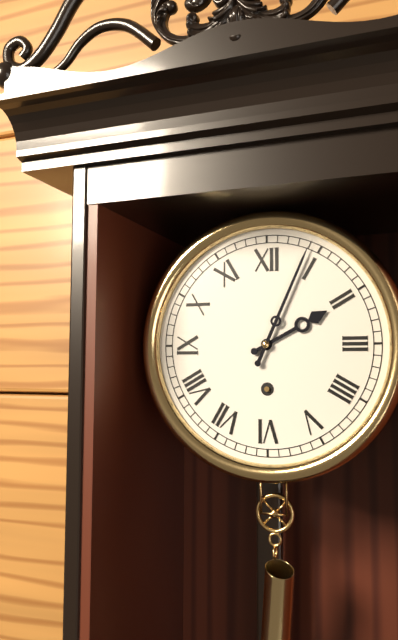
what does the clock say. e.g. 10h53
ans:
2h04
